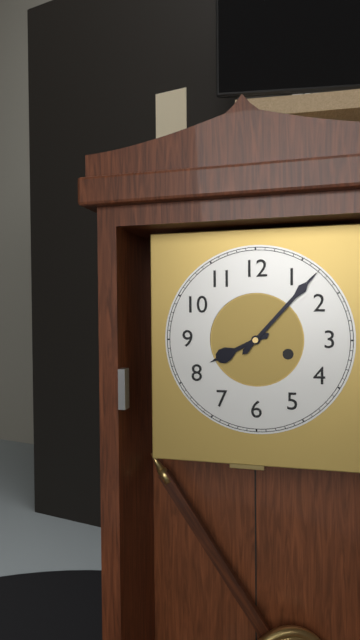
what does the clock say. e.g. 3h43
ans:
8h07
